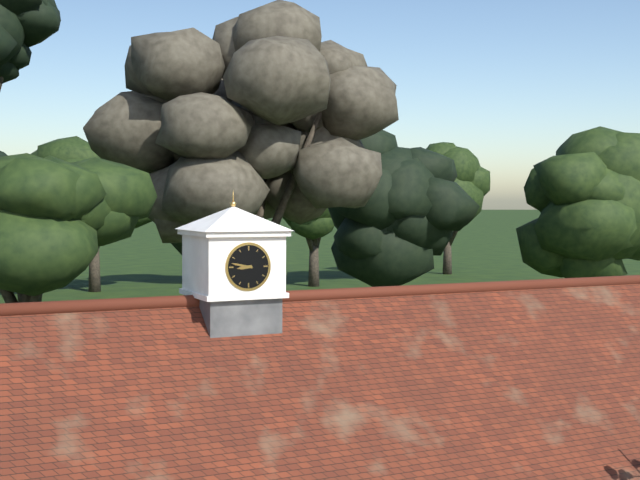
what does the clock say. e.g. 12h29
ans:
8h47
